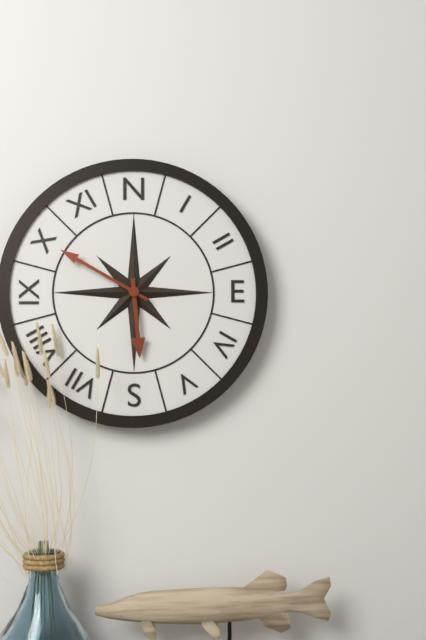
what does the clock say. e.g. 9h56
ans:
5h50
